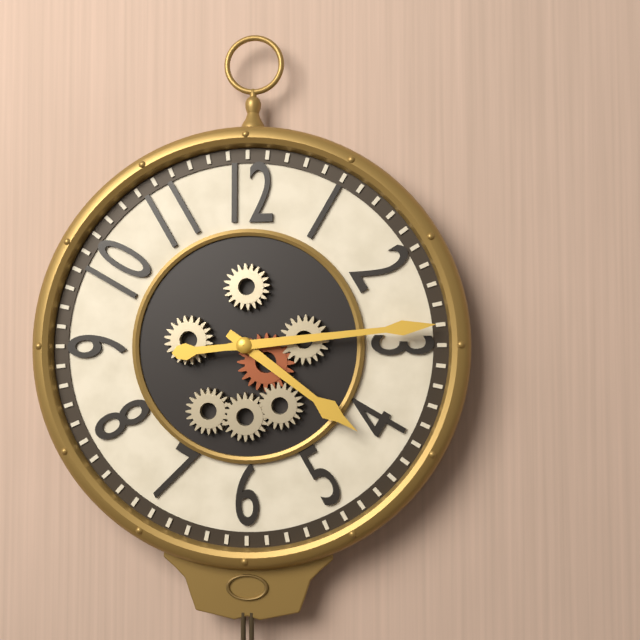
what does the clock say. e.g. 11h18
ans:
4h14
